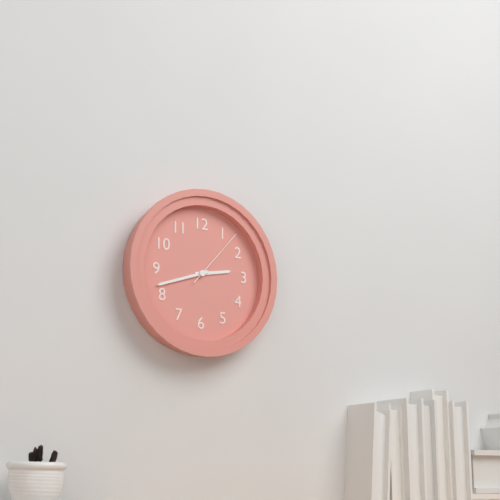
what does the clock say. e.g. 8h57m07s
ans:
2h42m07s
